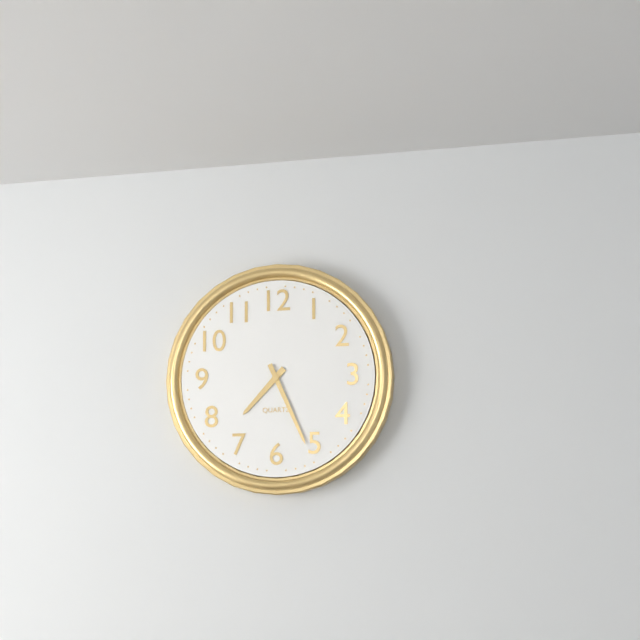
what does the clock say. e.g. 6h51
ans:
7h26
